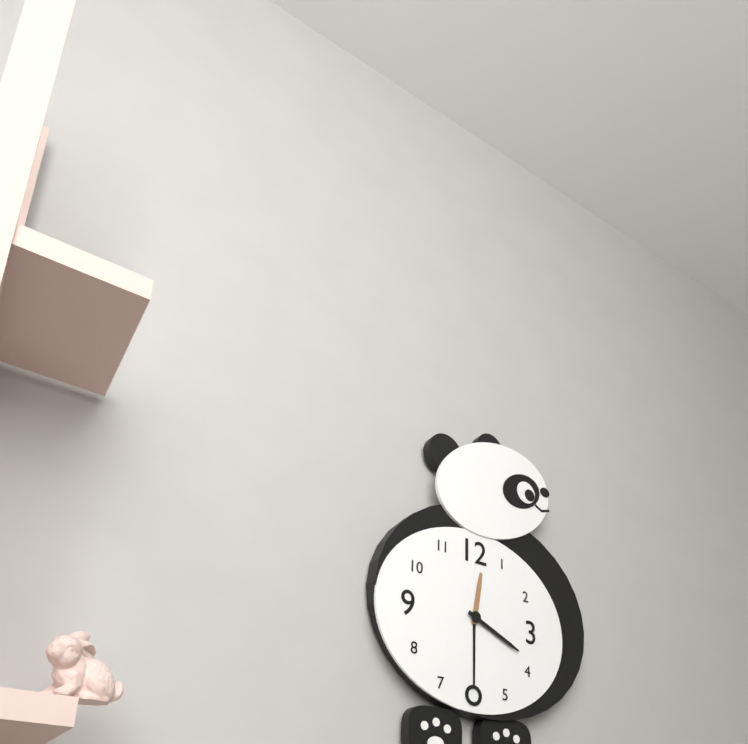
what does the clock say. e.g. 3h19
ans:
12h19
